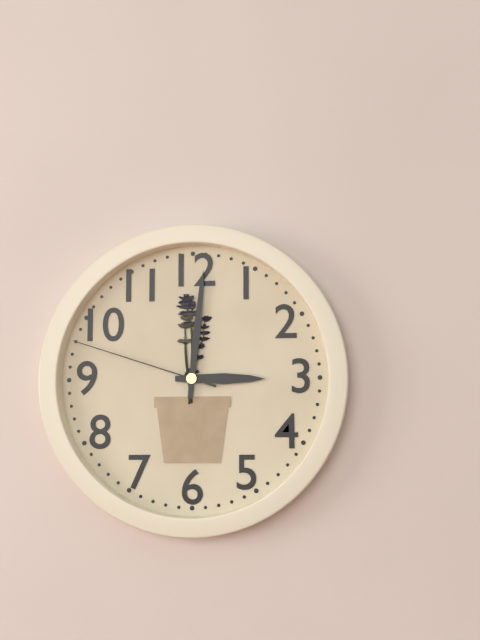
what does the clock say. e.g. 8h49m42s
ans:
3h01m48s
